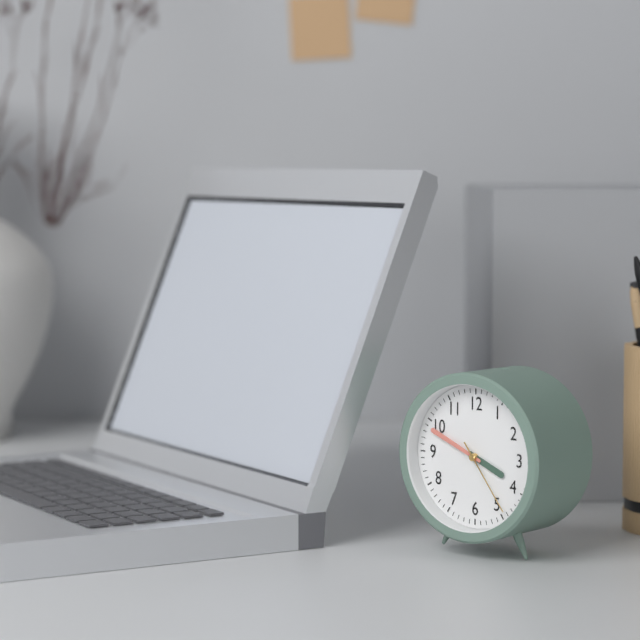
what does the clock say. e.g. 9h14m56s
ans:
3h49m24s
